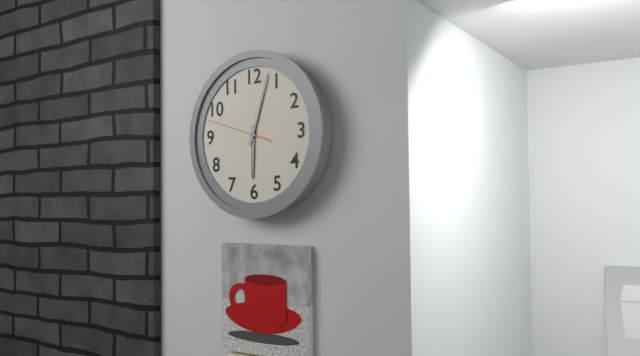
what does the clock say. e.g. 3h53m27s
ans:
6h03m48s
